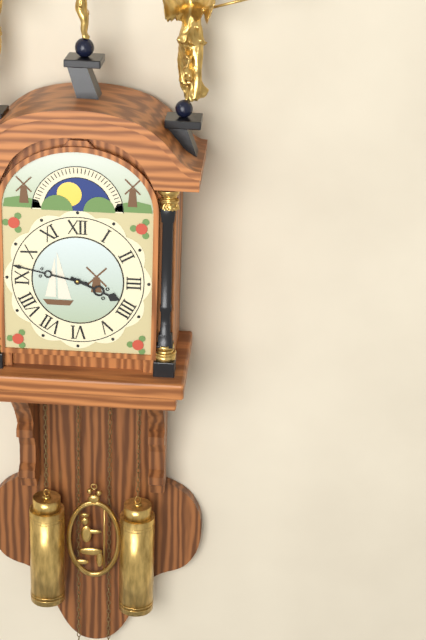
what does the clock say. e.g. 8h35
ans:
3h47
